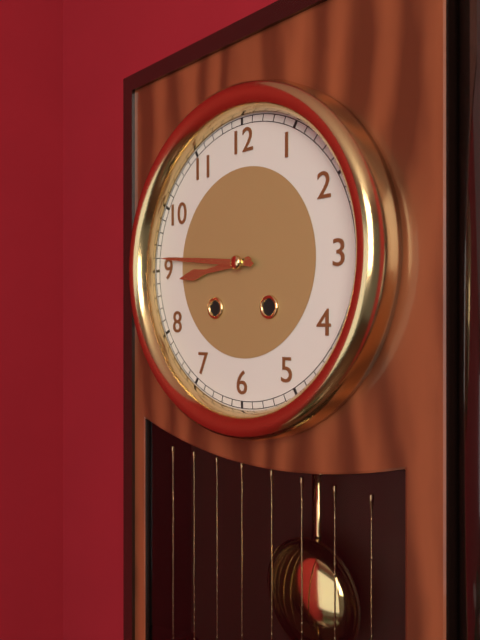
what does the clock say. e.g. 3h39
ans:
8h46
